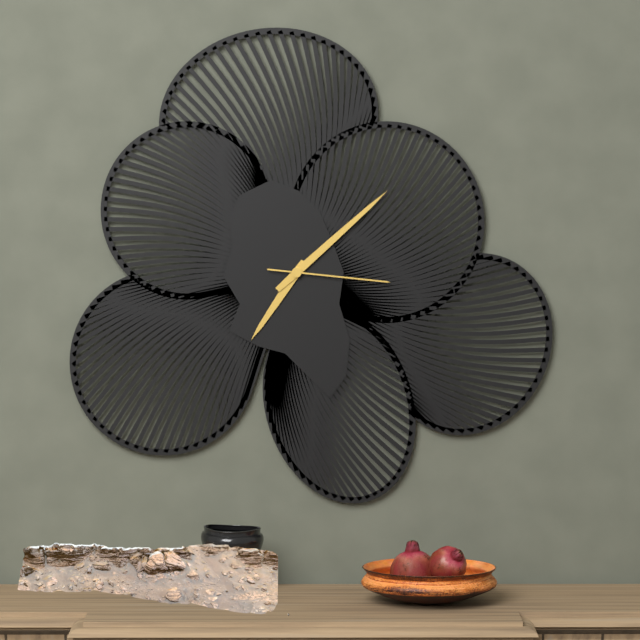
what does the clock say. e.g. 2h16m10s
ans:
7h08m16s
